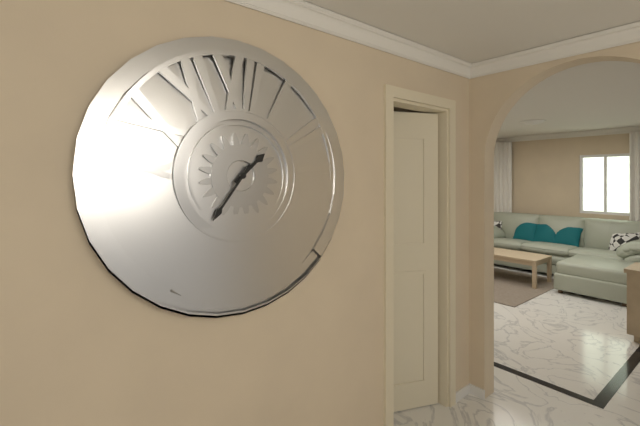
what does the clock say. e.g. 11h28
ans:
1h36
